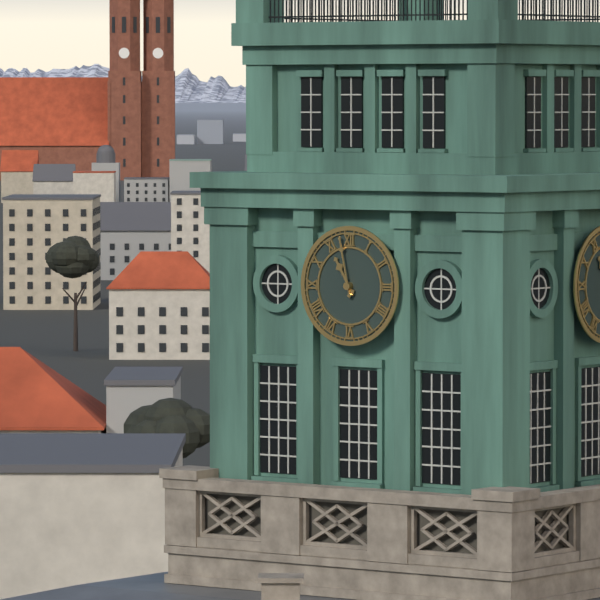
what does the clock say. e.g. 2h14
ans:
10h58
